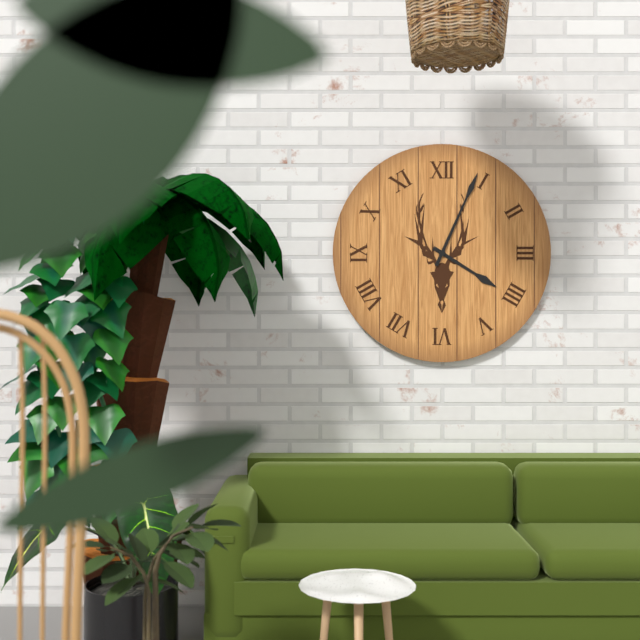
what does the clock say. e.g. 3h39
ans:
4h04
